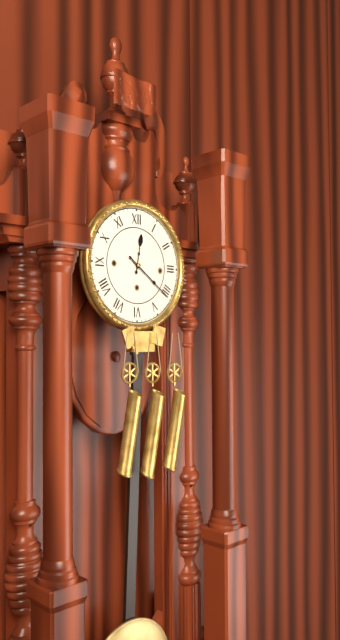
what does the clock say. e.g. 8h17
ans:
12h21
